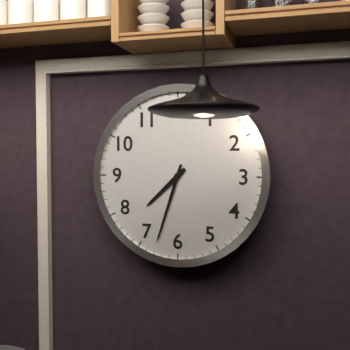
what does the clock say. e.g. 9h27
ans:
7h33
